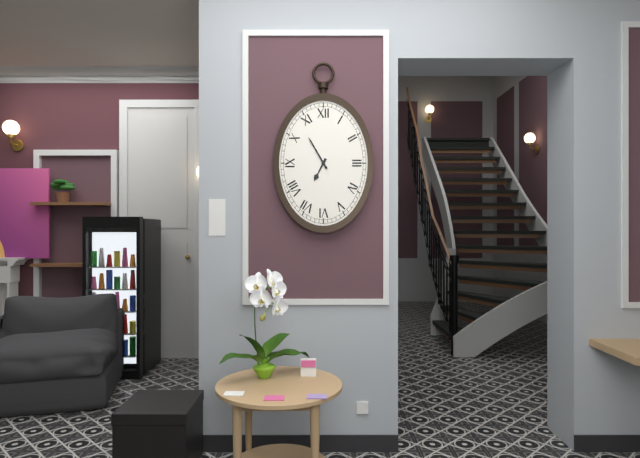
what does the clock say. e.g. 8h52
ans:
6h55
